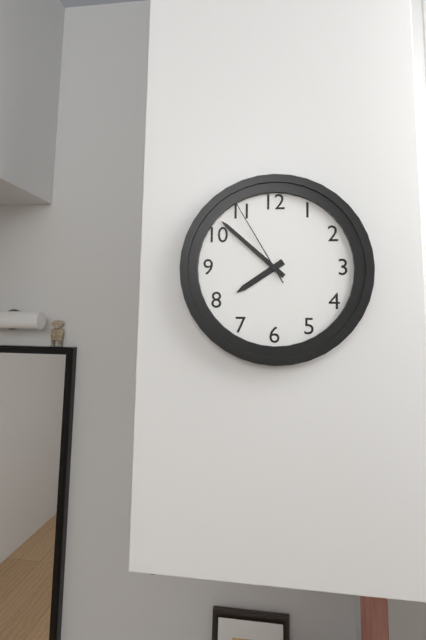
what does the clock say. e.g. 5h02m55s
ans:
7h52m55s
